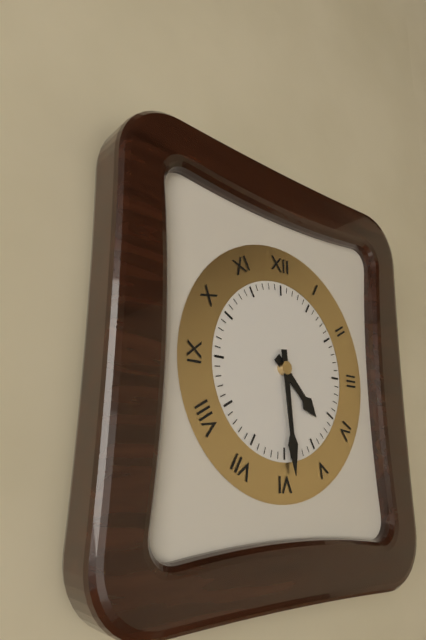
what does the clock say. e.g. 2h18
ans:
4h29
